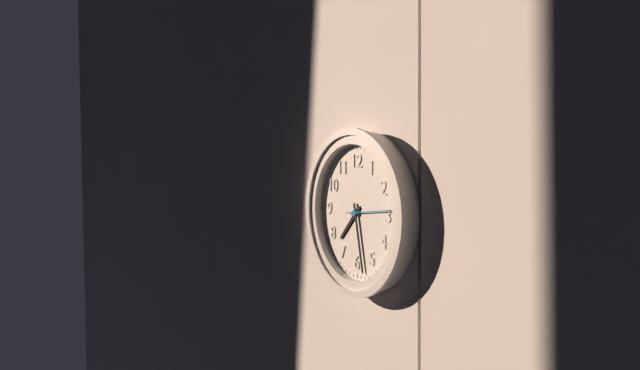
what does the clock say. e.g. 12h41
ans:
7h28
